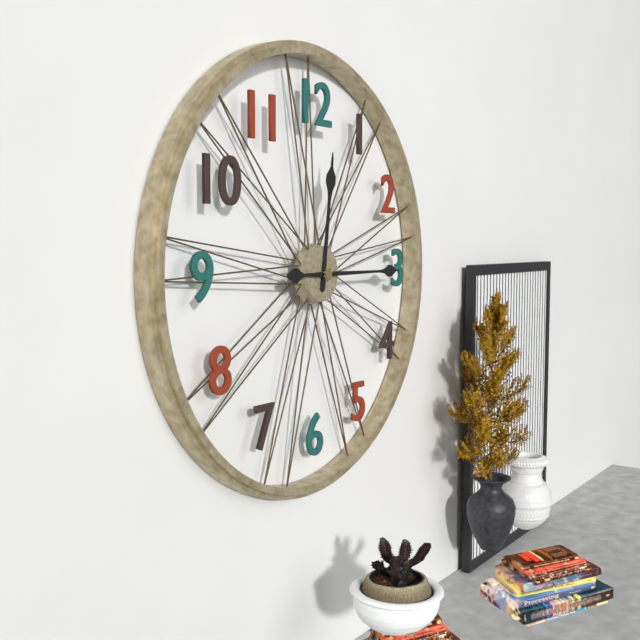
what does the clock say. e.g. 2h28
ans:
12h15
